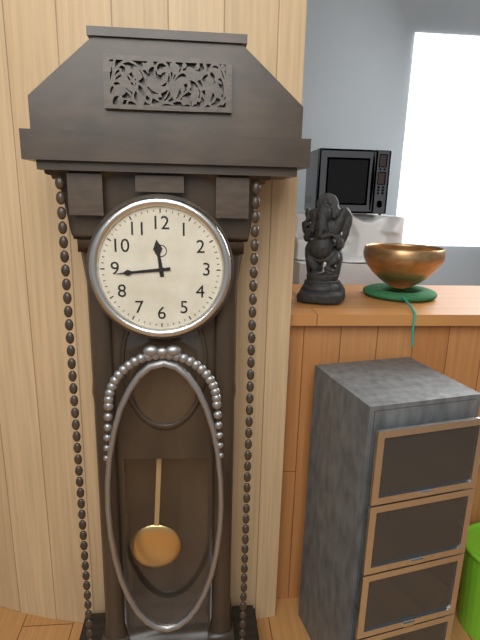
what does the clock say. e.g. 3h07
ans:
11h44
